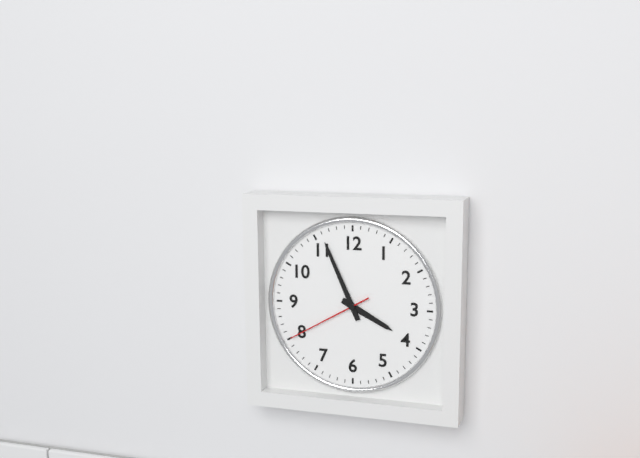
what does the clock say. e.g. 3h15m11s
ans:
3h56m40s
